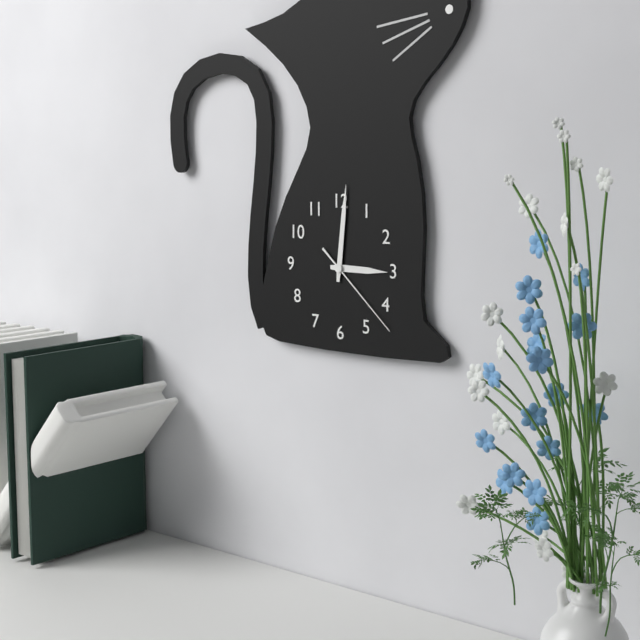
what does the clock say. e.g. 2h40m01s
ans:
3h01m22s
